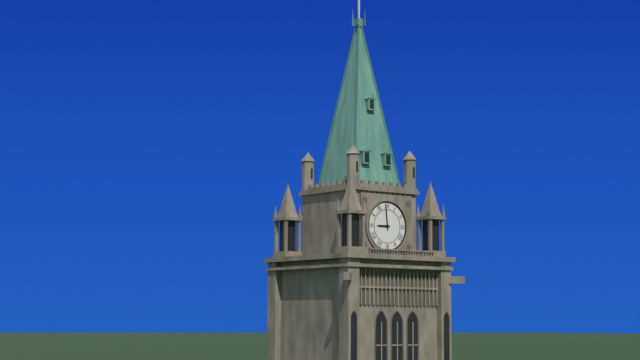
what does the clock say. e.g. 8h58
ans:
8h59
